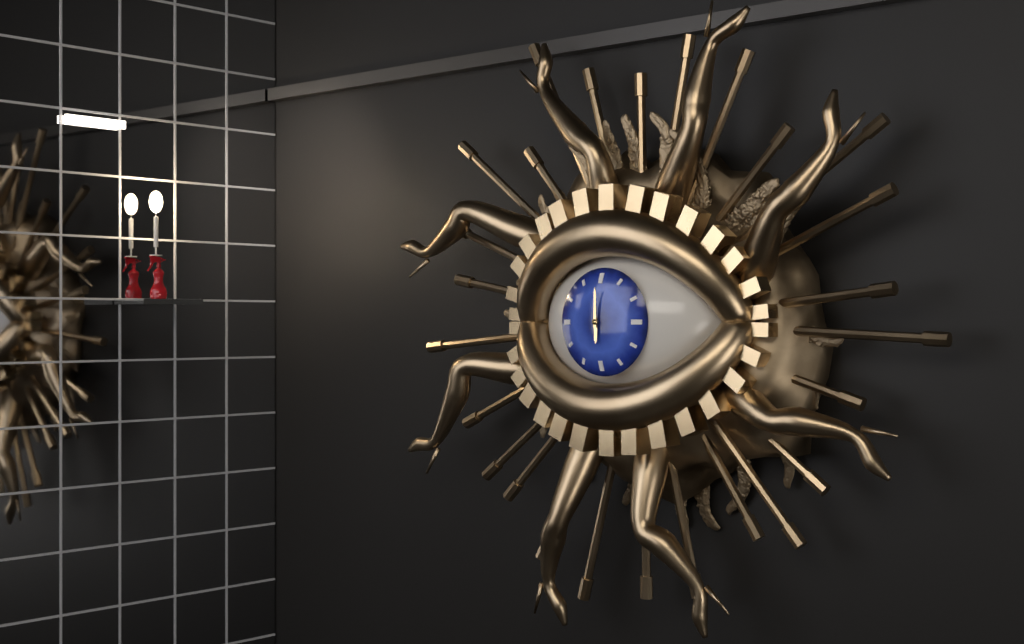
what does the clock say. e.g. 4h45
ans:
6h00
